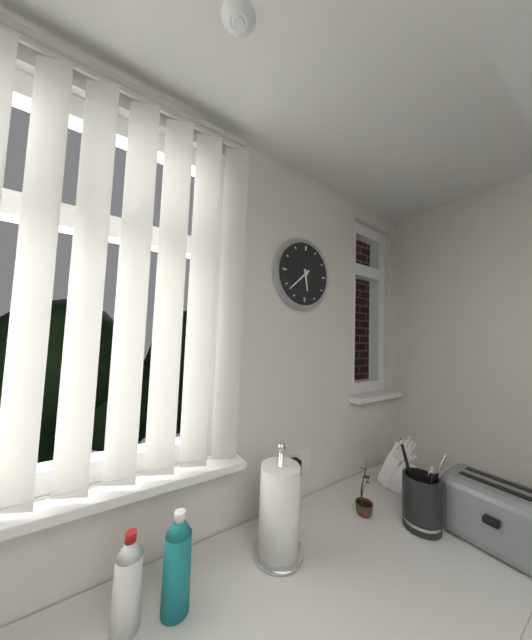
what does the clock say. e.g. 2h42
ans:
5h38
